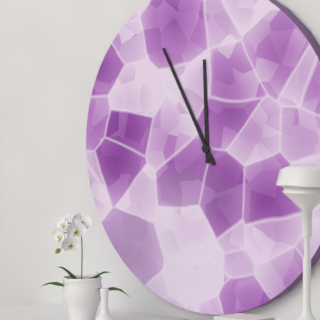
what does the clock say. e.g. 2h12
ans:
11h55
